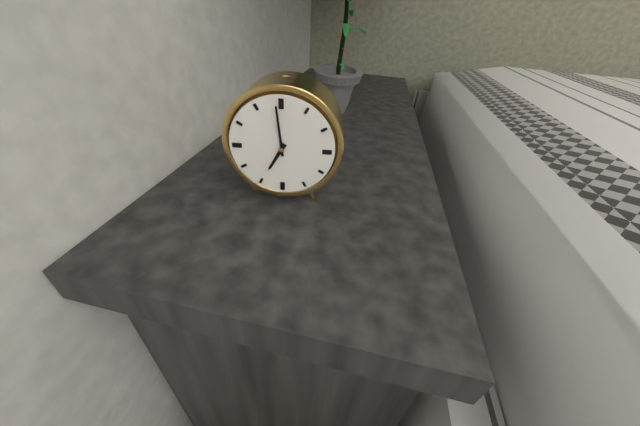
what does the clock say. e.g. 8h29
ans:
6h59
